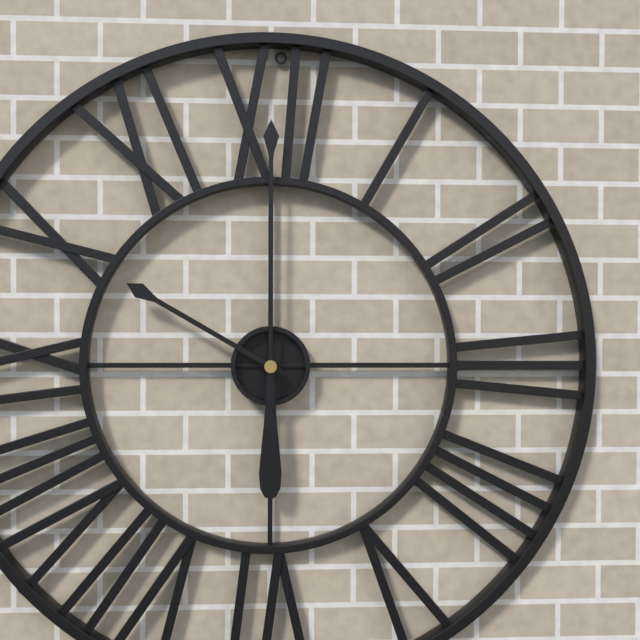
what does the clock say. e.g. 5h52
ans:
10h00
